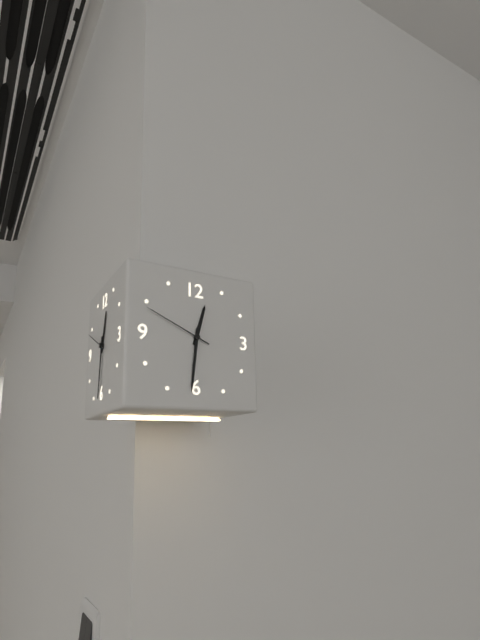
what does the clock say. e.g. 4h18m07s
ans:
12h31m49s
